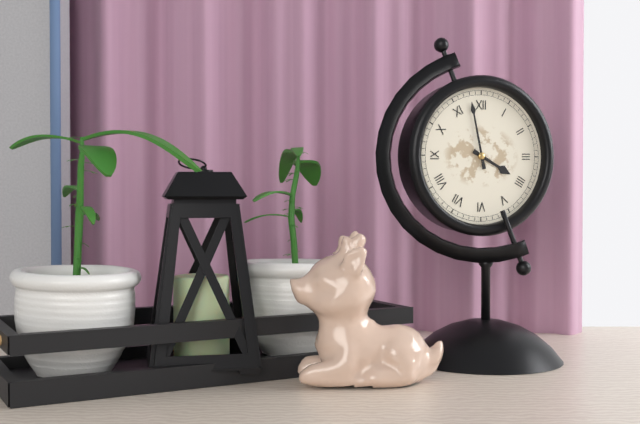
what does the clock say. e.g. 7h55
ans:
3h58
